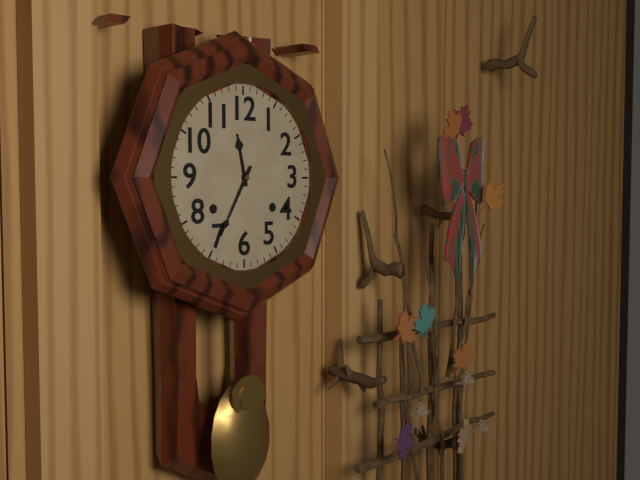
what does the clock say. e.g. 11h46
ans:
11h35
